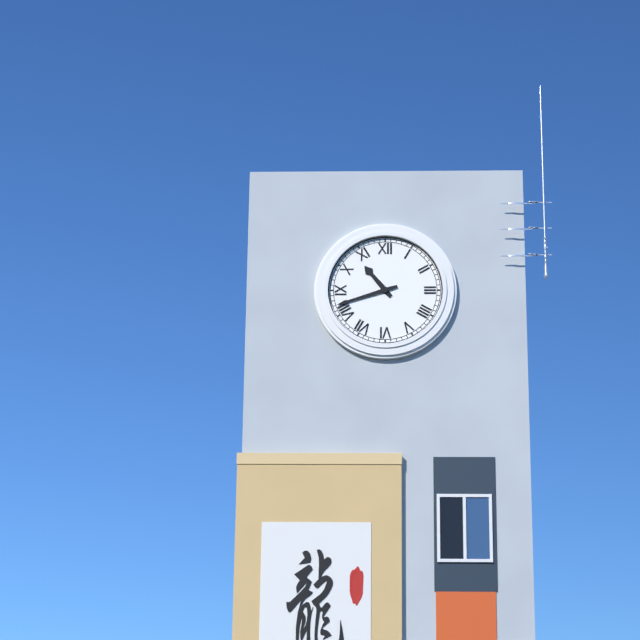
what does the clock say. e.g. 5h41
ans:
10h42
